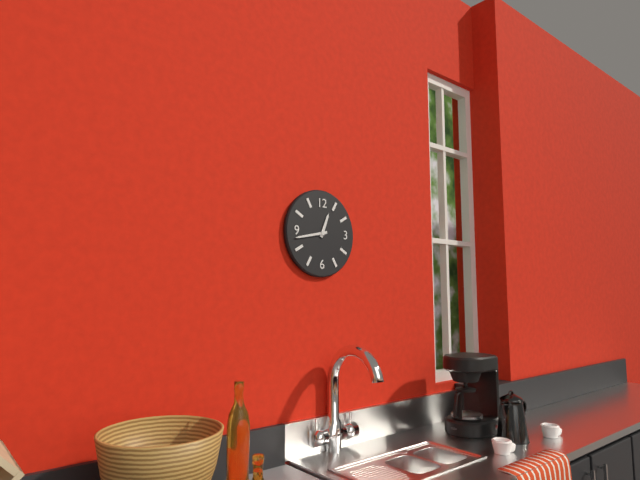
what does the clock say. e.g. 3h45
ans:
12h43
